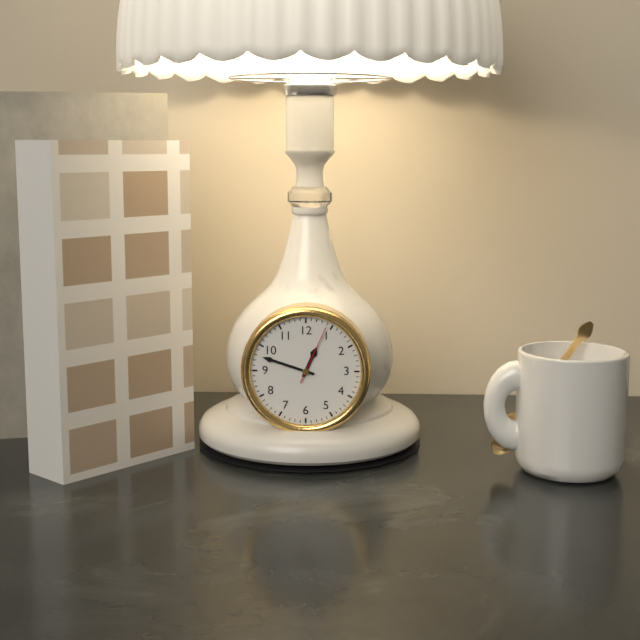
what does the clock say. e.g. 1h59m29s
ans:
12h48m04s
